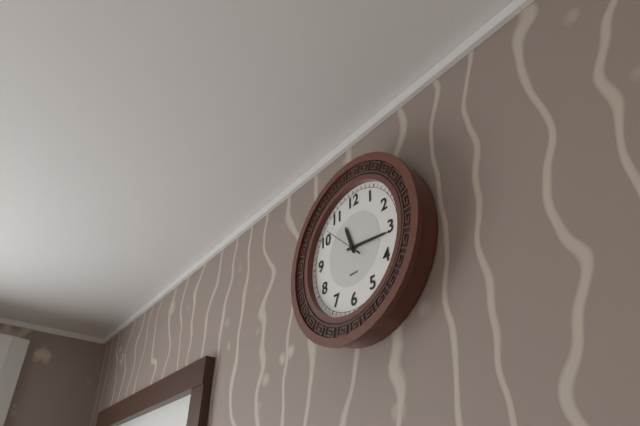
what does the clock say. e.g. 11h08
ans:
11h16
